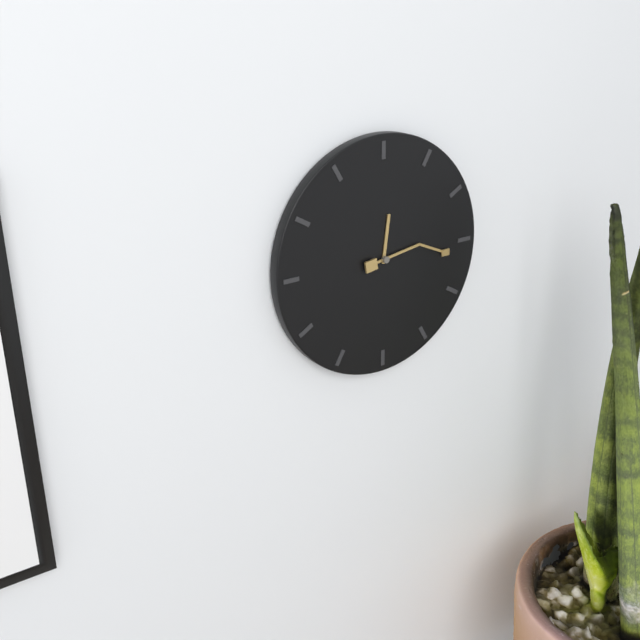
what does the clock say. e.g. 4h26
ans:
12h16
